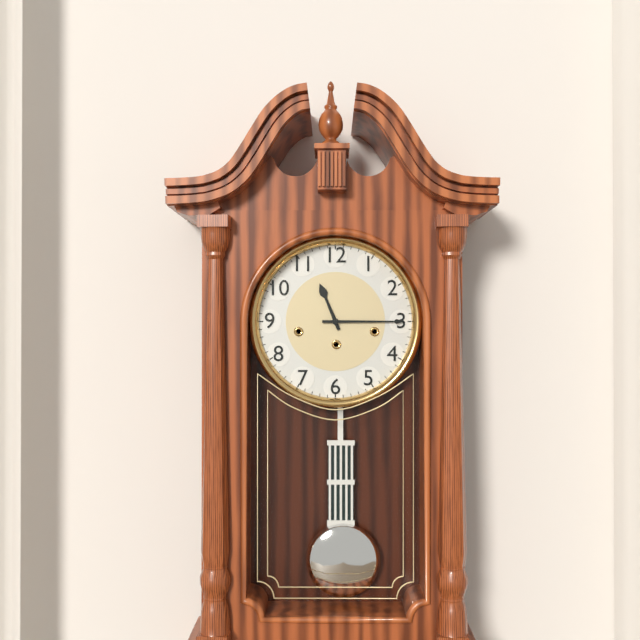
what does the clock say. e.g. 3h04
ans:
11h15
